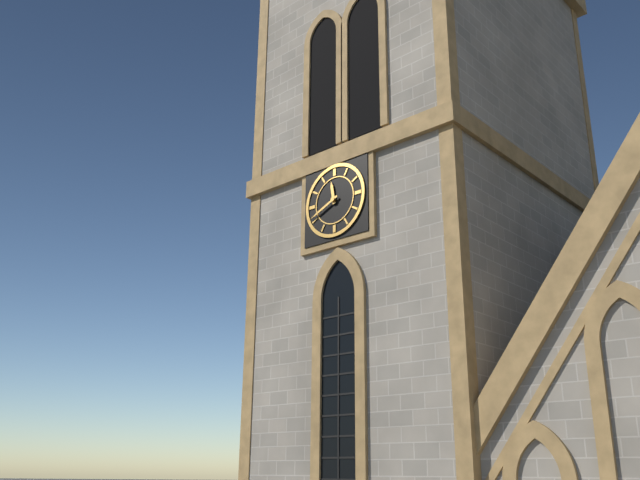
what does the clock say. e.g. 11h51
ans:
11h41
